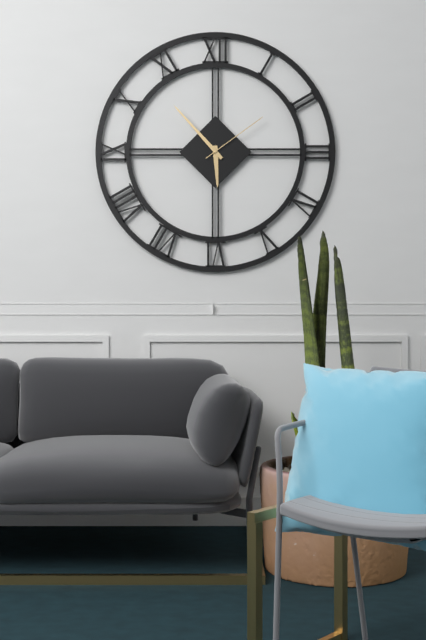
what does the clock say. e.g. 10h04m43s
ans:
5h53m09s
